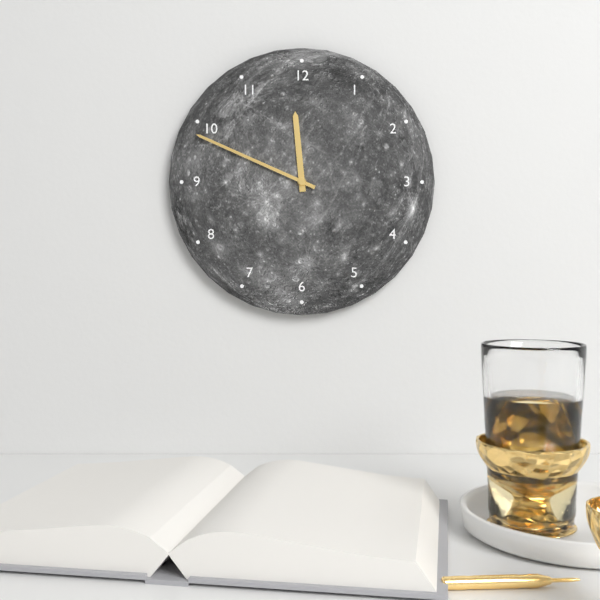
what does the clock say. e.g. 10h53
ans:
11h49
